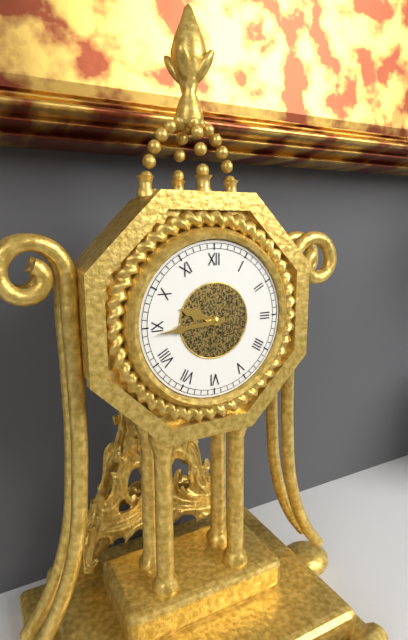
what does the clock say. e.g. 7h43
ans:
9h44
